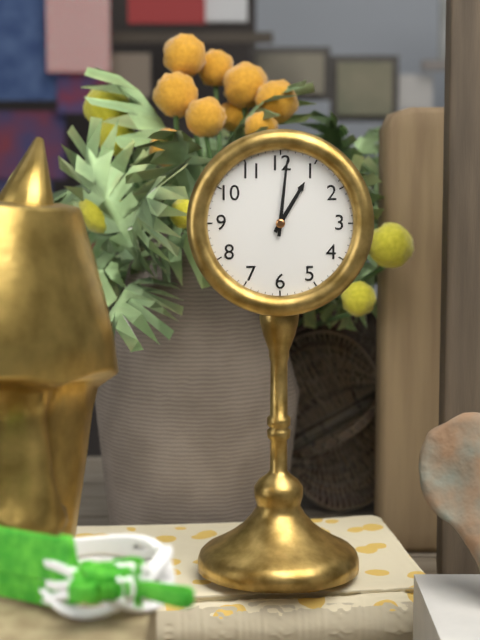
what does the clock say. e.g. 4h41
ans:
1h01
